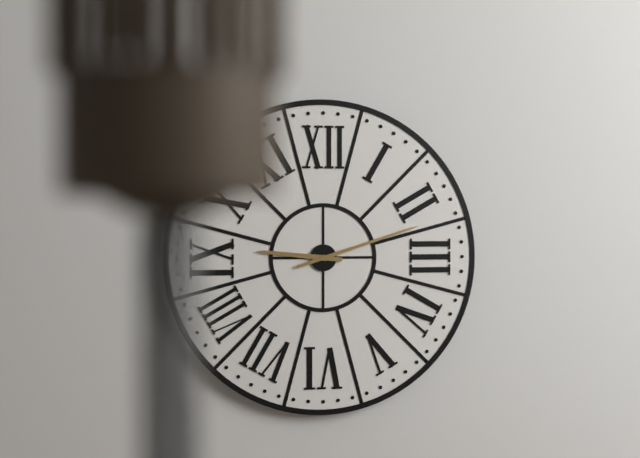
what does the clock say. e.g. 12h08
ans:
9h12
